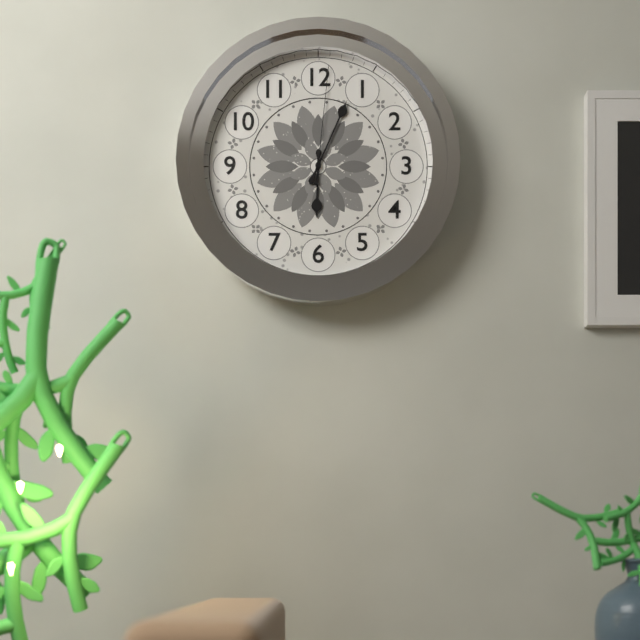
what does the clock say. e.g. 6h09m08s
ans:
6h04m01s
